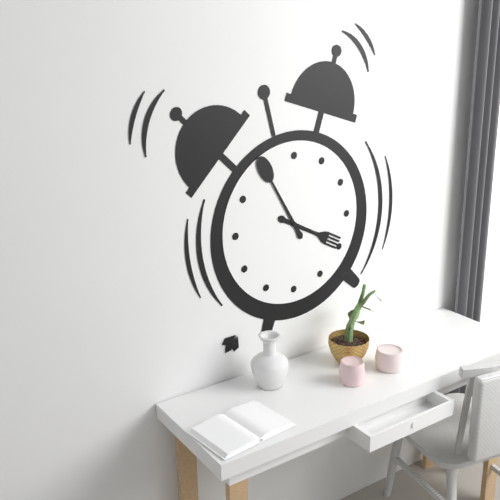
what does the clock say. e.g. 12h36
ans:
3h55
